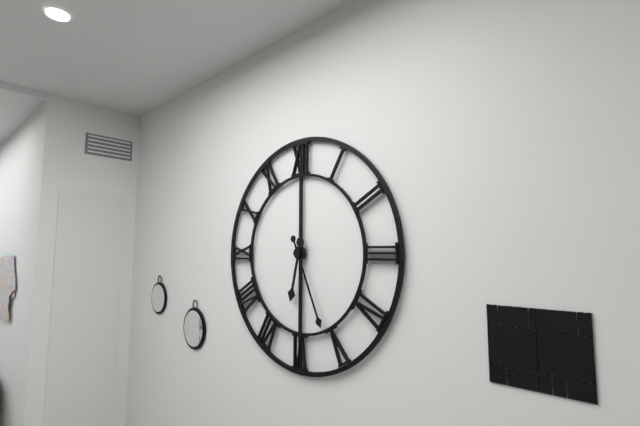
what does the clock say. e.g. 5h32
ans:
6h26
